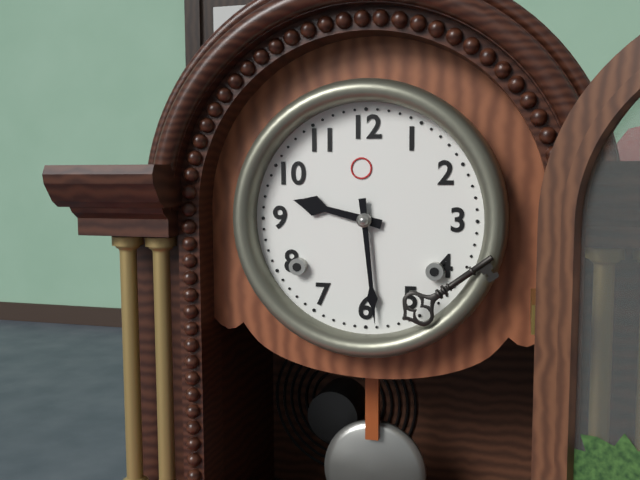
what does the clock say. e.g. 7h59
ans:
9h29
